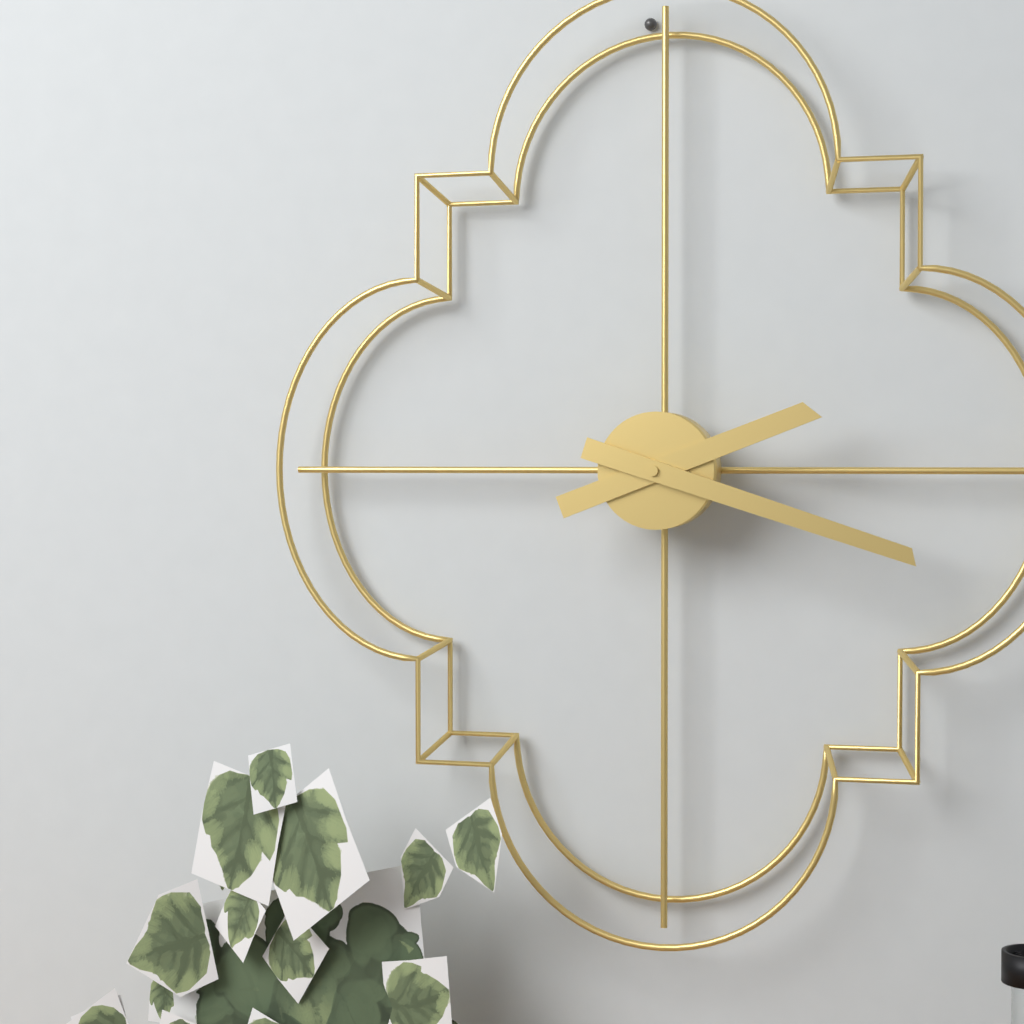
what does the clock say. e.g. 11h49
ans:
2h18
